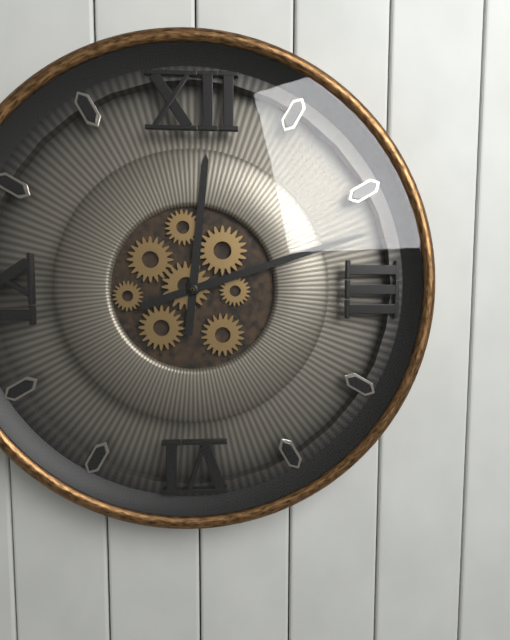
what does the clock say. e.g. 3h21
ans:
12h12
